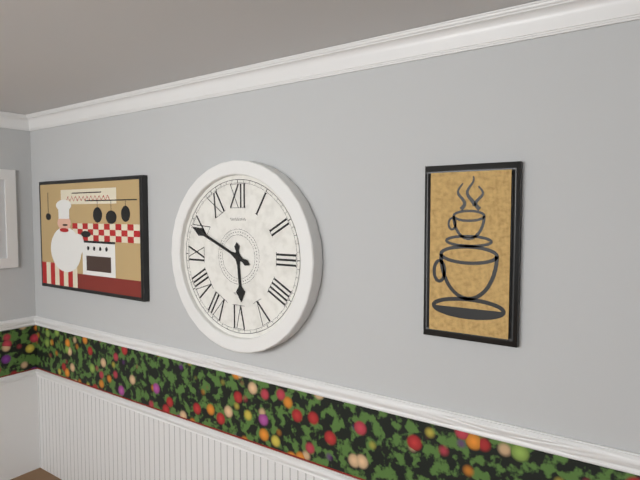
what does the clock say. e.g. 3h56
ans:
5h49
